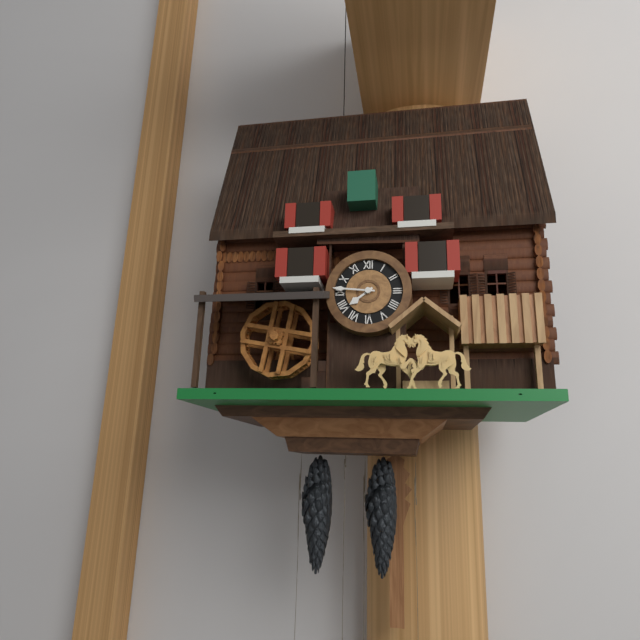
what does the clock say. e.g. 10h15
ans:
7h46
